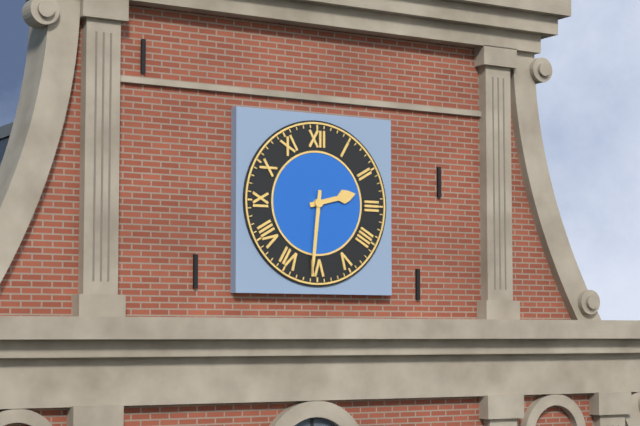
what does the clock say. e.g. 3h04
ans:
2h31
